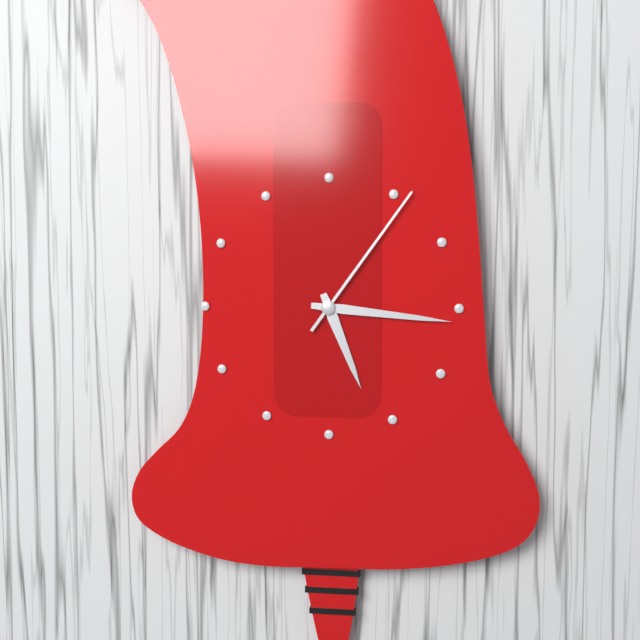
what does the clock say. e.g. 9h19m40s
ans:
5h16m06s
